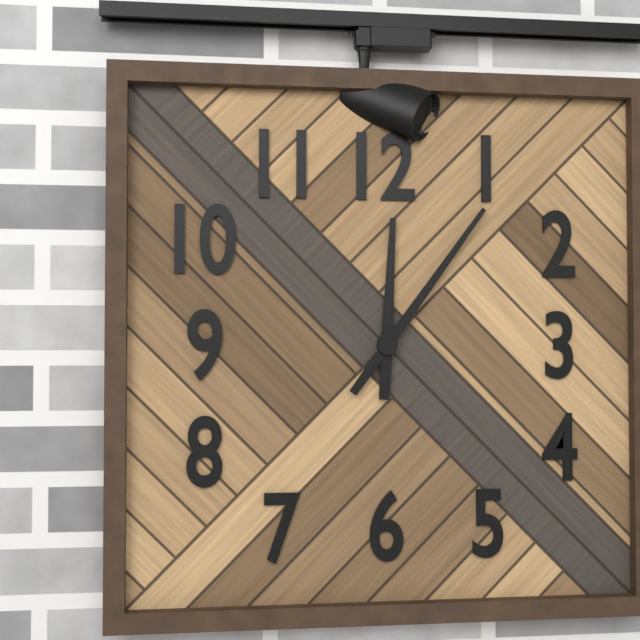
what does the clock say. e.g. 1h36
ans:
12h06
